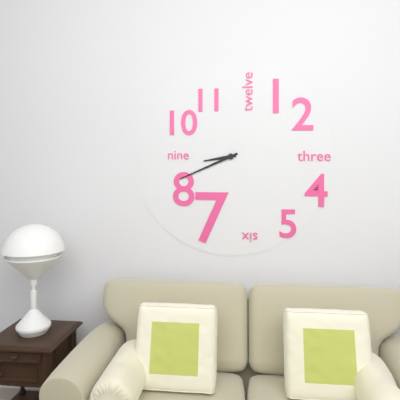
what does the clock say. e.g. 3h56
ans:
8h41
